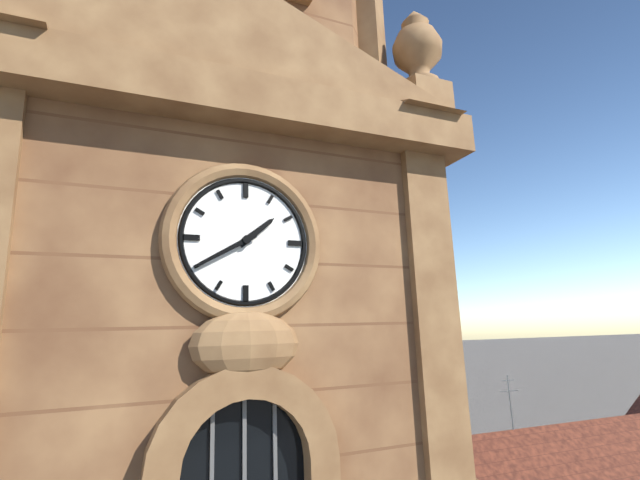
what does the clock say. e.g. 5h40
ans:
1h40
